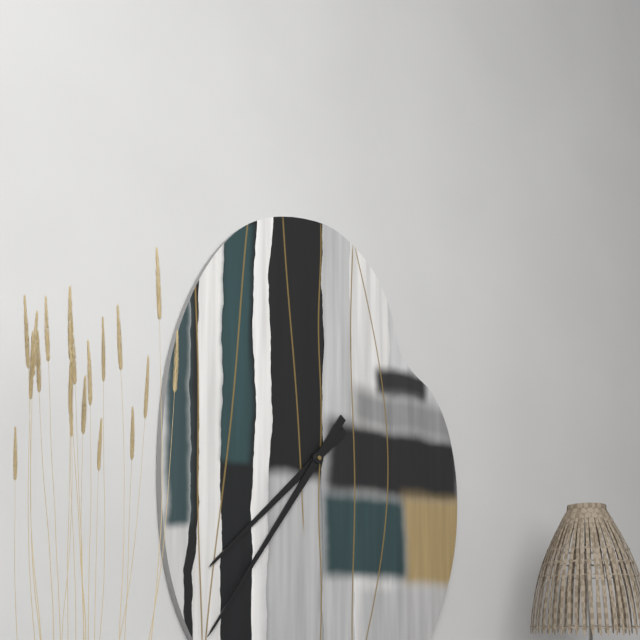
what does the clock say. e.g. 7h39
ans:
7h36
